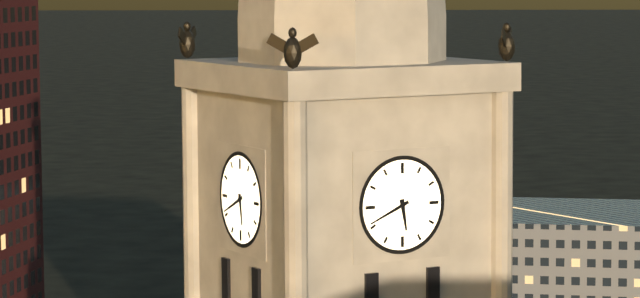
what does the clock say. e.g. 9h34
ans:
5h41
